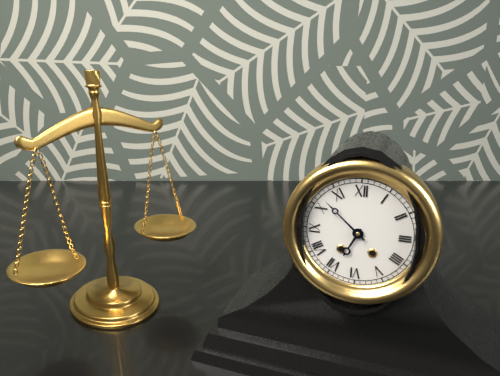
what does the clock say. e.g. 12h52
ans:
6h52
